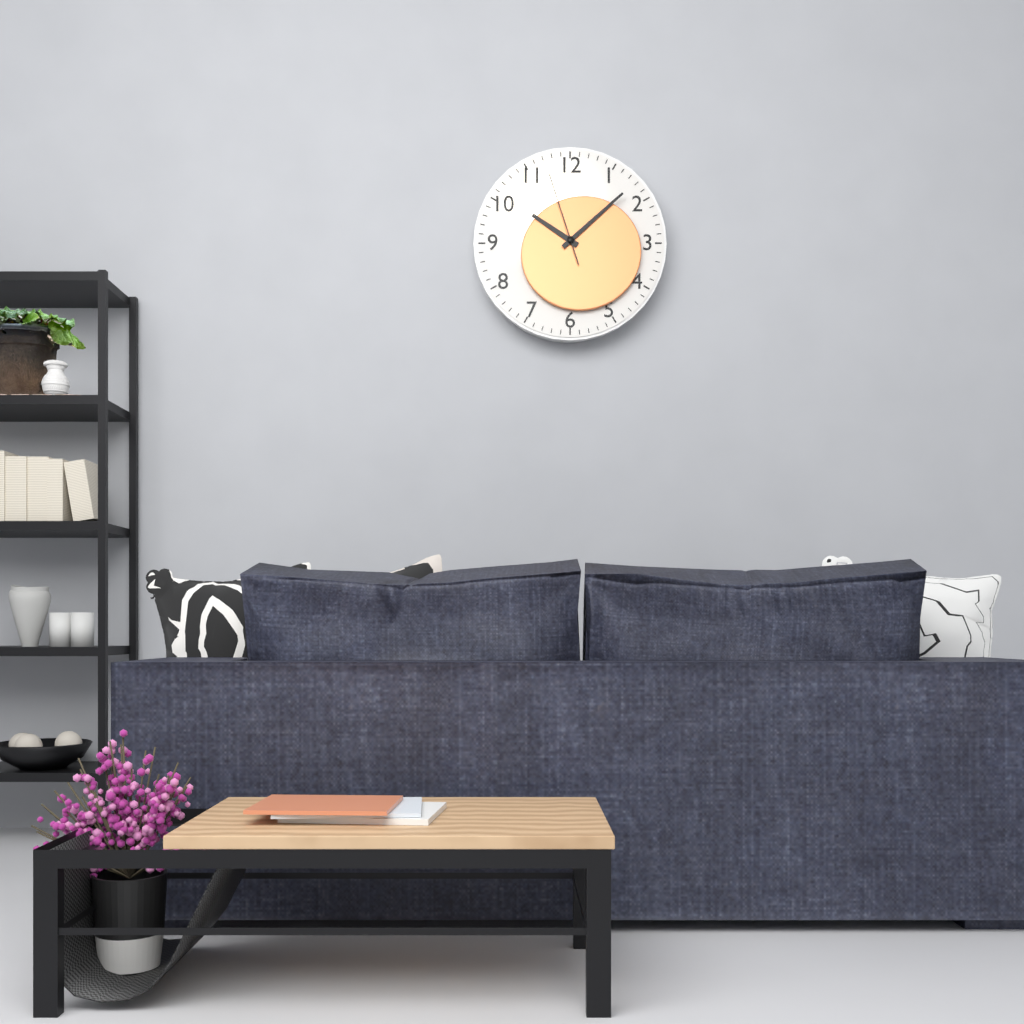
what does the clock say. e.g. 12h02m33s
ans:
10h08m57s
